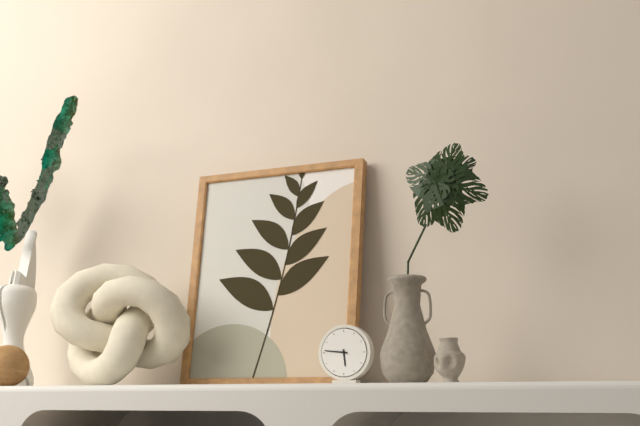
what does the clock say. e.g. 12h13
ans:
5h46
